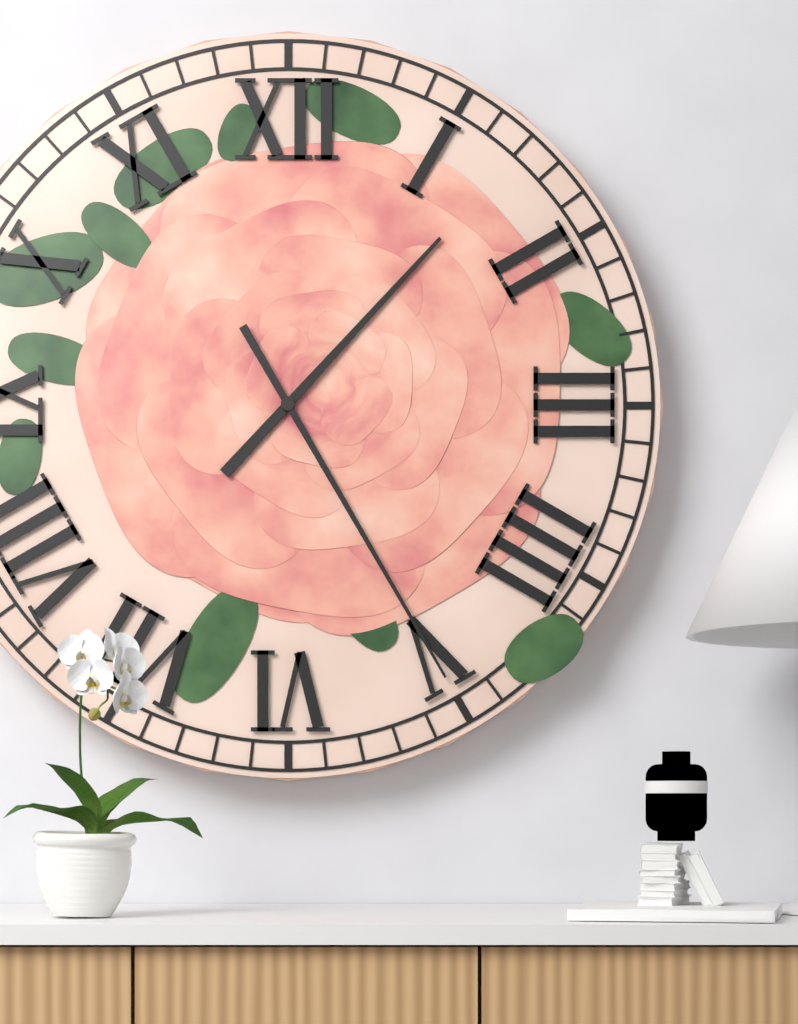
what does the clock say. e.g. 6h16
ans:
1h25
